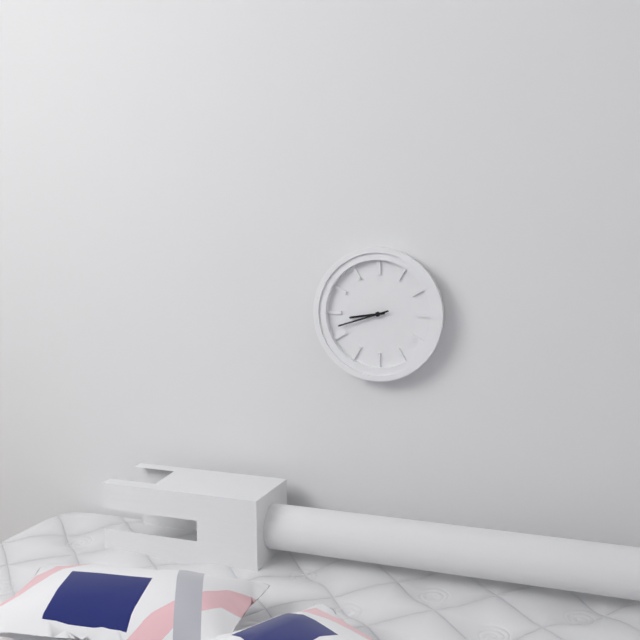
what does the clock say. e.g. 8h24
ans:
8h42
